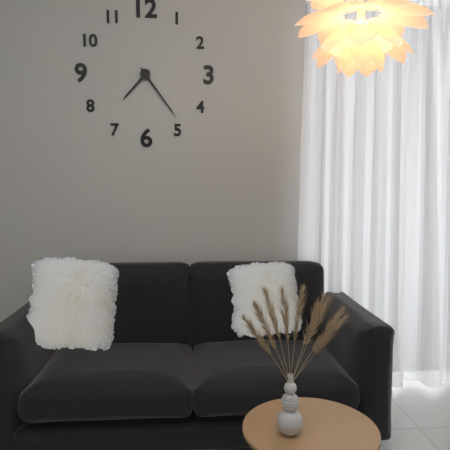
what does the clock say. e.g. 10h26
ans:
7h24
